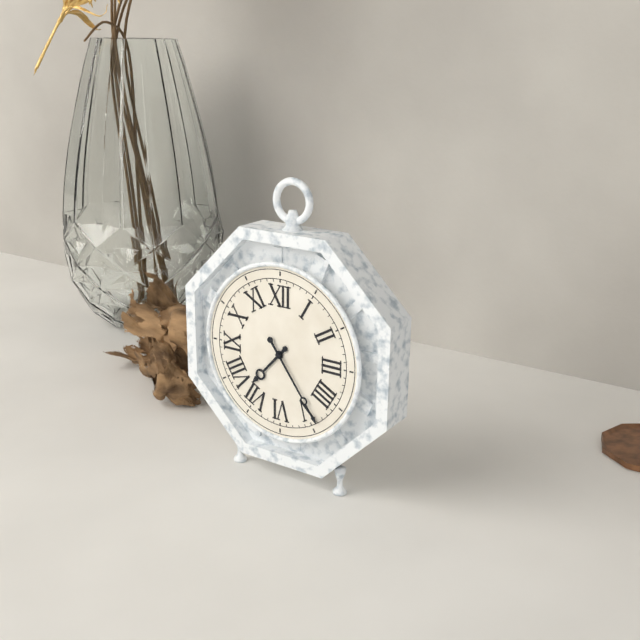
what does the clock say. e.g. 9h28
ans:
7h24
